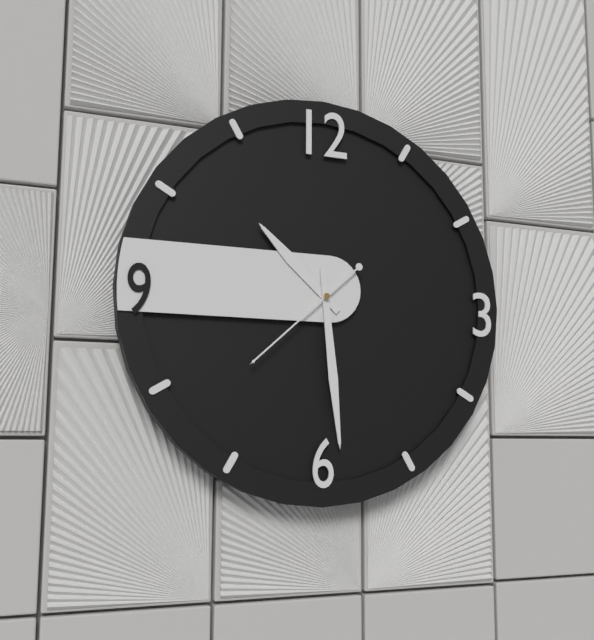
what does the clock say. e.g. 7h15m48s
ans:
10h29m38s
